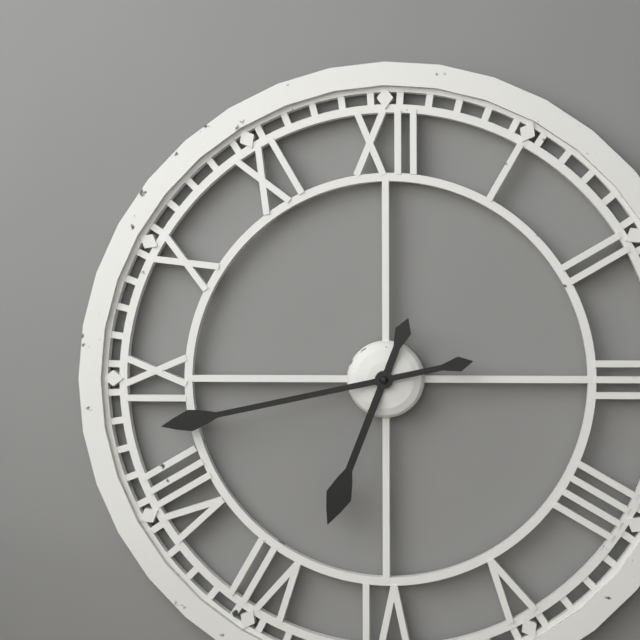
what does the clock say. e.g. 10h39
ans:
6h43
